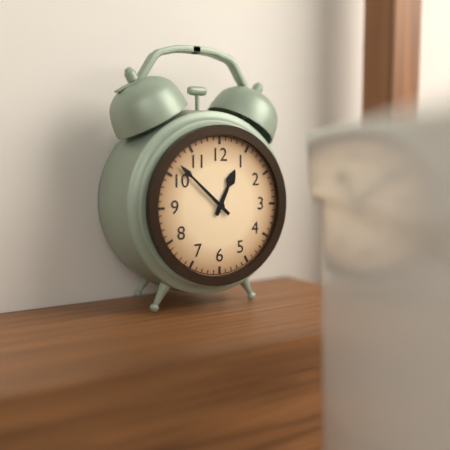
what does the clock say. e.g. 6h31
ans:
12h52
